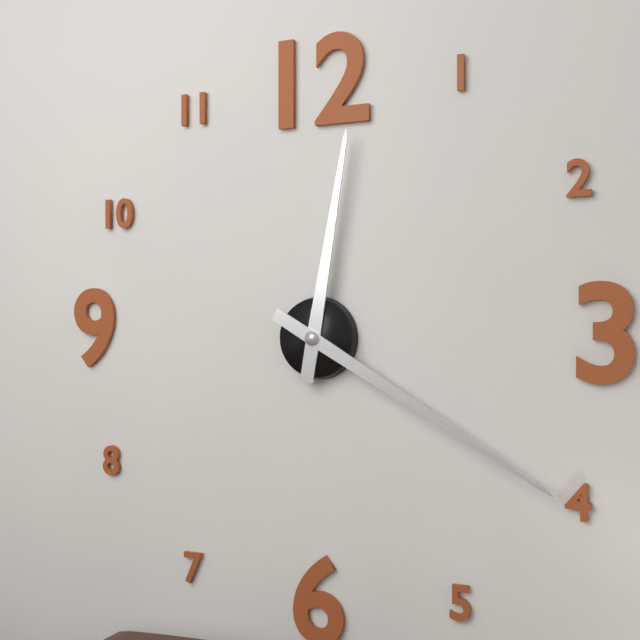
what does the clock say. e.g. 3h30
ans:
12h20
